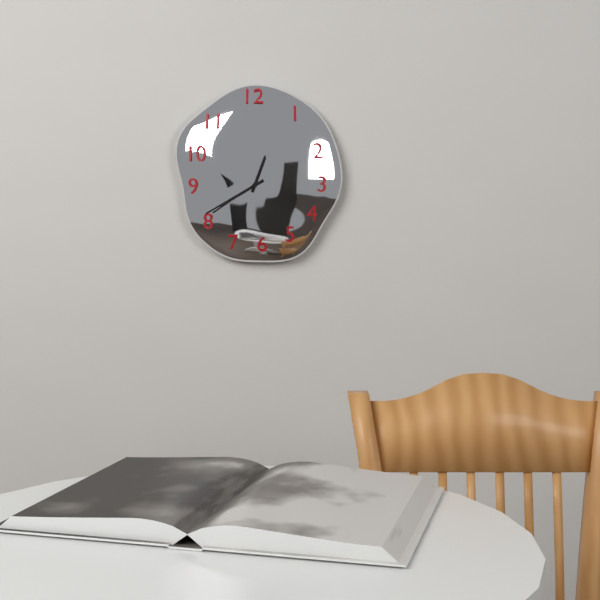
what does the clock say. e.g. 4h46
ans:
12h40
